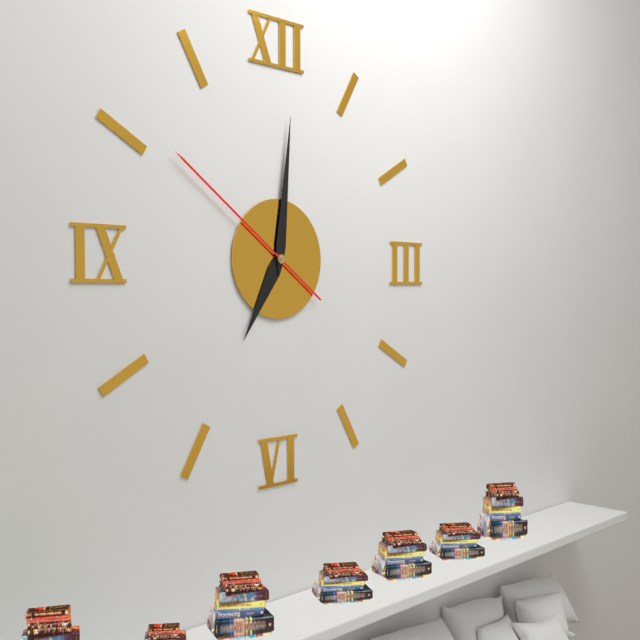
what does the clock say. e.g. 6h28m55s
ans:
7h01m51s
